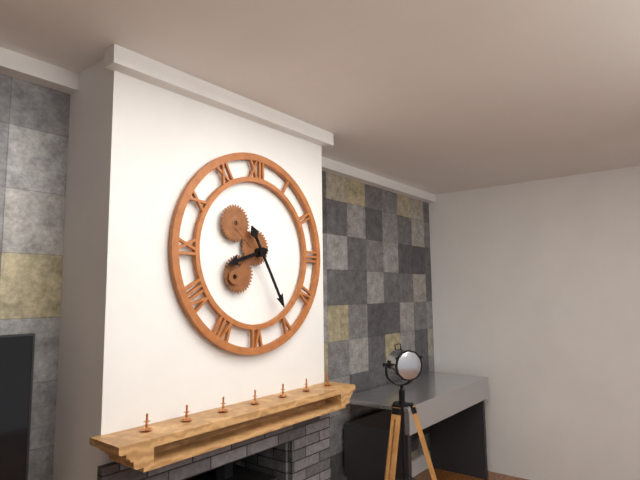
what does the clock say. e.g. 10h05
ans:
8h25
